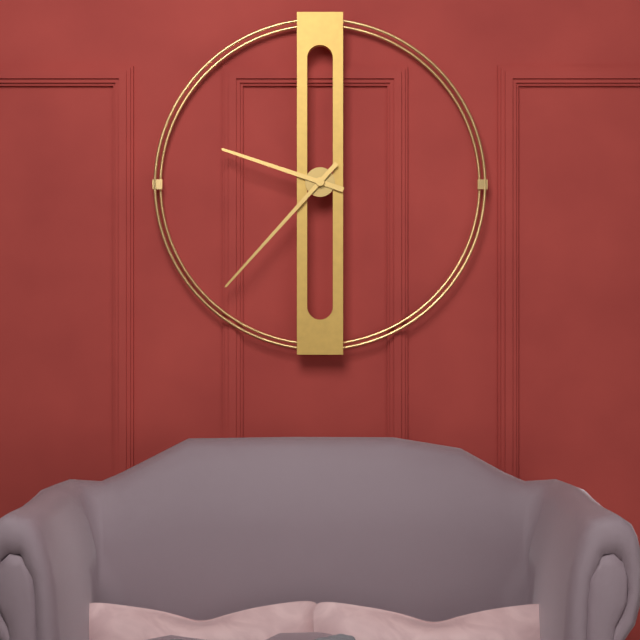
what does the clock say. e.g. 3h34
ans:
9h37
